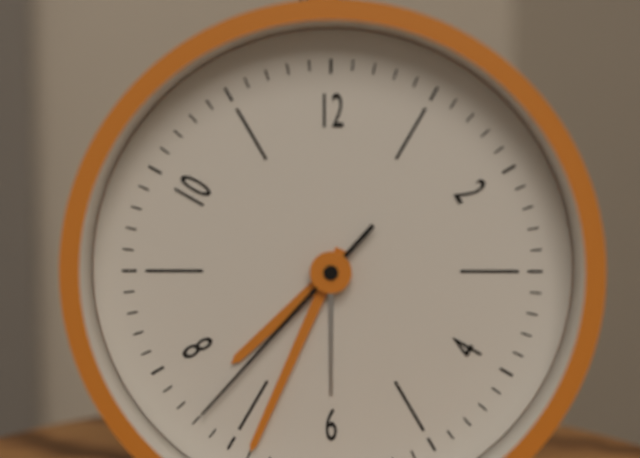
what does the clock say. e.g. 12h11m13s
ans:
7h34m37s
